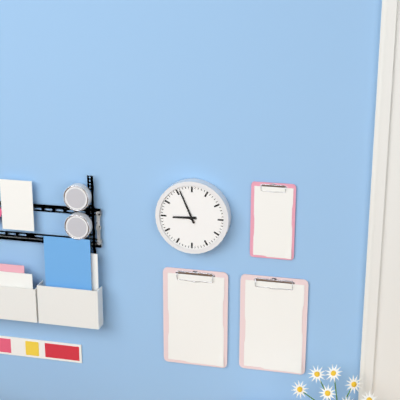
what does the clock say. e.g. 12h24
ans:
8h56
